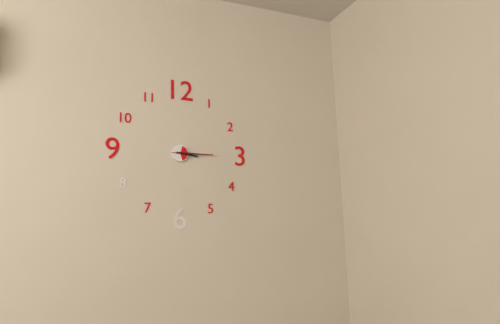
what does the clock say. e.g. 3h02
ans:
3h15
